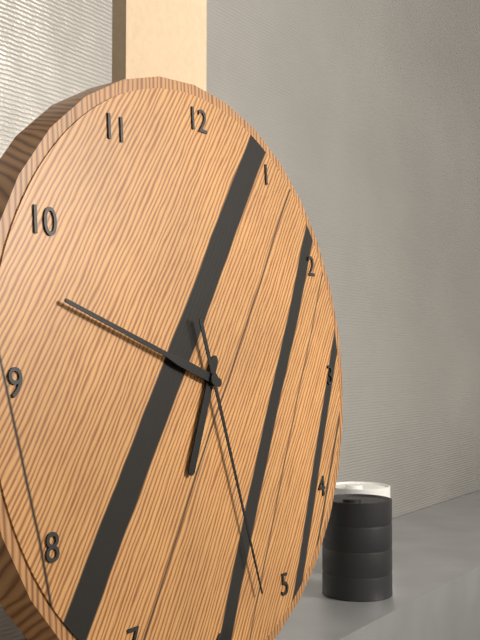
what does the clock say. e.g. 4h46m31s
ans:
6h48m27s
